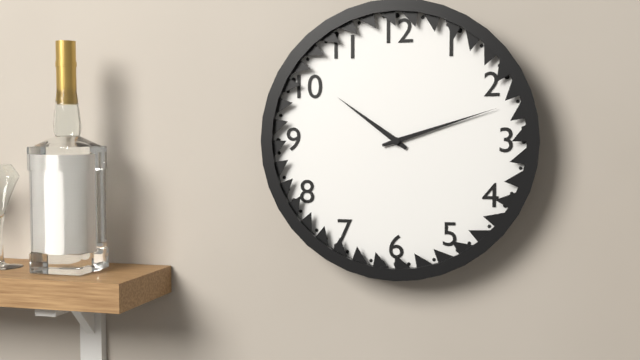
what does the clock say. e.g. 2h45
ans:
10h12
